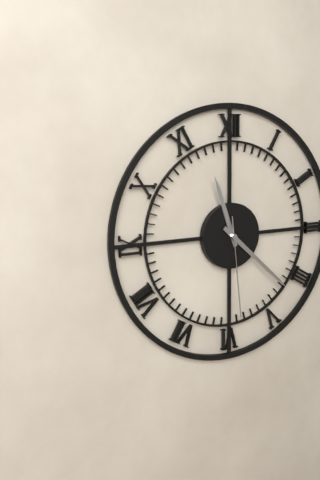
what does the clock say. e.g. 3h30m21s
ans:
11h22m29s
